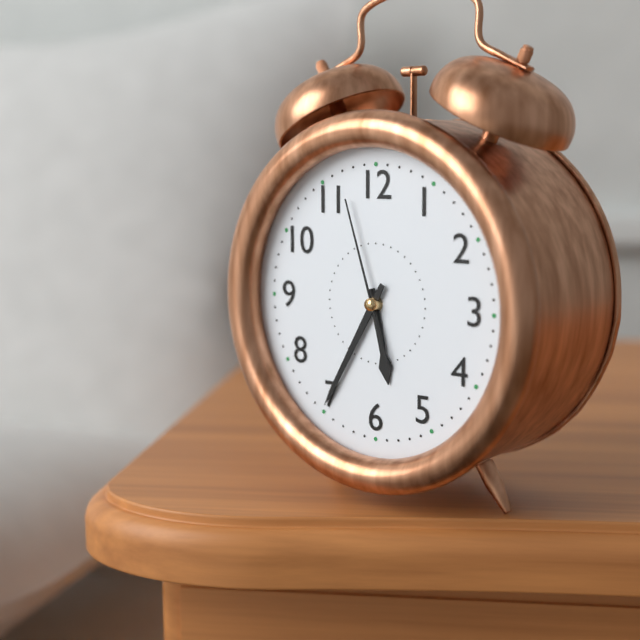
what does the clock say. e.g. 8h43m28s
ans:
5h35m57s
